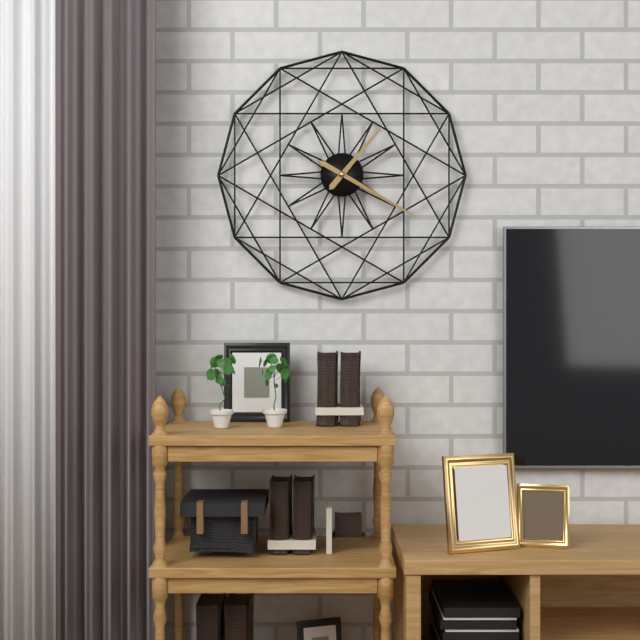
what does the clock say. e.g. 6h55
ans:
1h20
